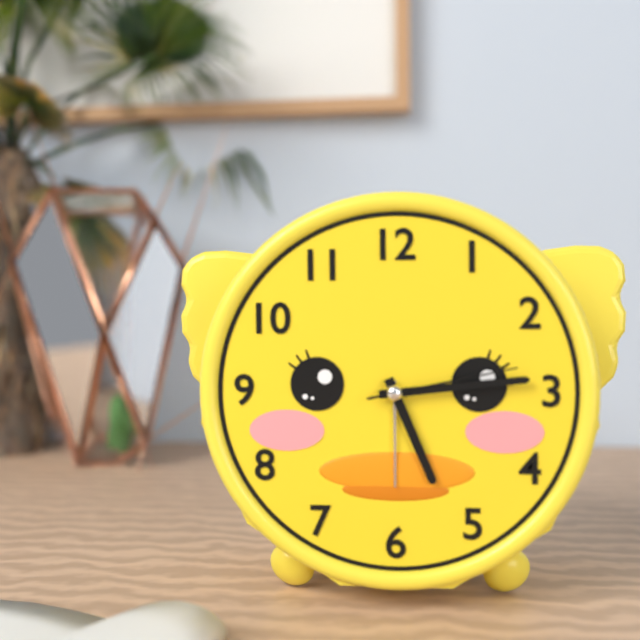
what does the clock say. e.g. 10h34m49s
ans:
5h14m13s
